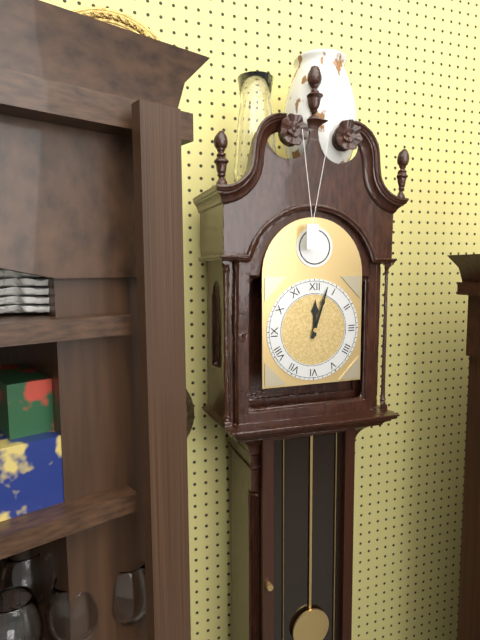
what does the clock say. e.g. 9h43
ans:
12h03
